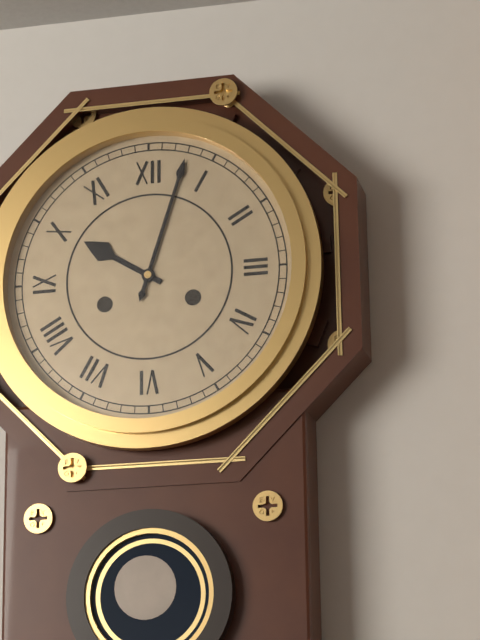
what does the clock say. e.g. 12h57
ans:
10h03
